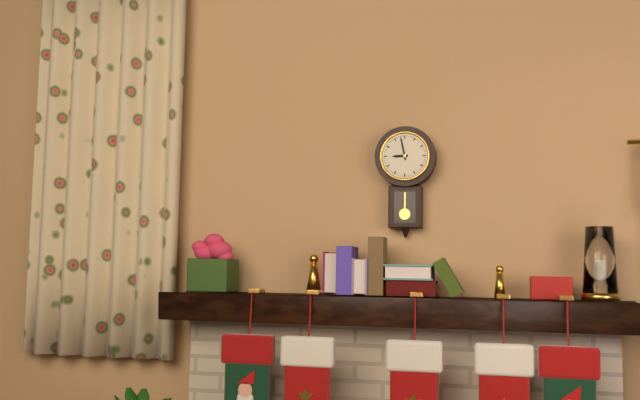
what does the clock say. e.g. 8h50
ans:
8h58
